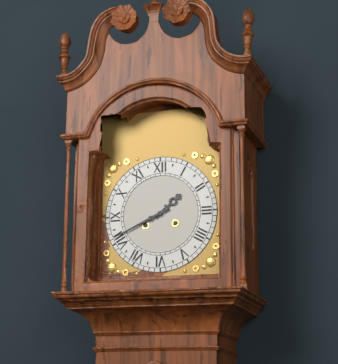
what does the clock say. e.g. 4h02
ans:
1h41
